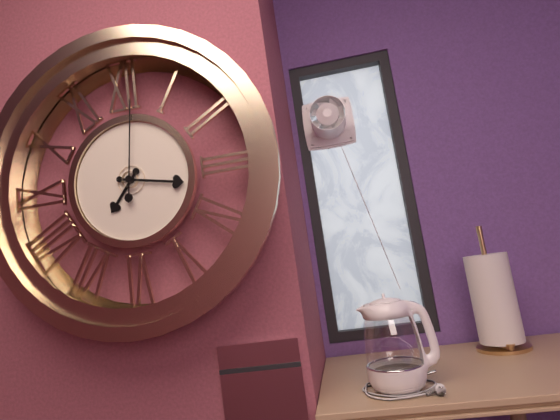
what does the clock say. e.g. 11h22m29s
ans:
7h17m01s
